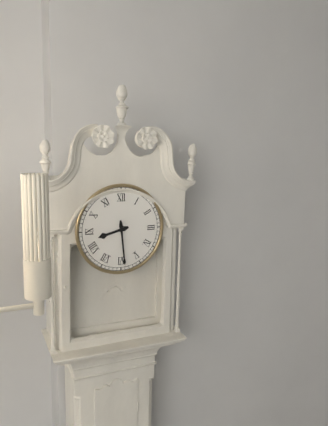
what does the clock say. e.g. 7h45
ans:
8h29
